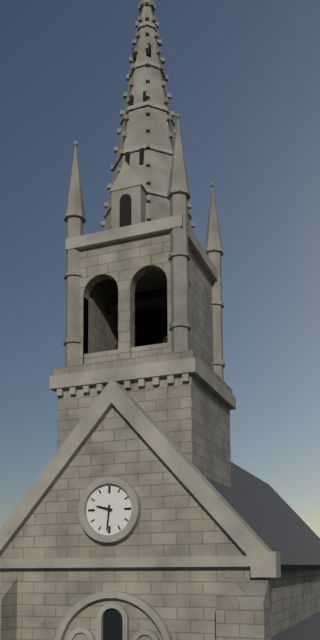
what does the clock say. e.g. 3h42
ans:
9h31
